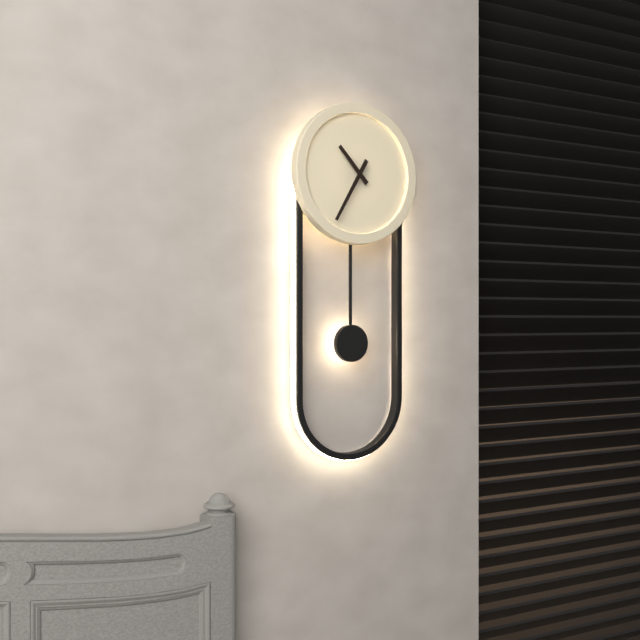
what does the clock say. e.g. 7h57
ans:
10h35
